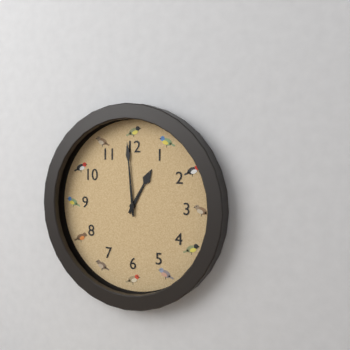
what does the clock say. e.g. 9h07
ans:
12h59
